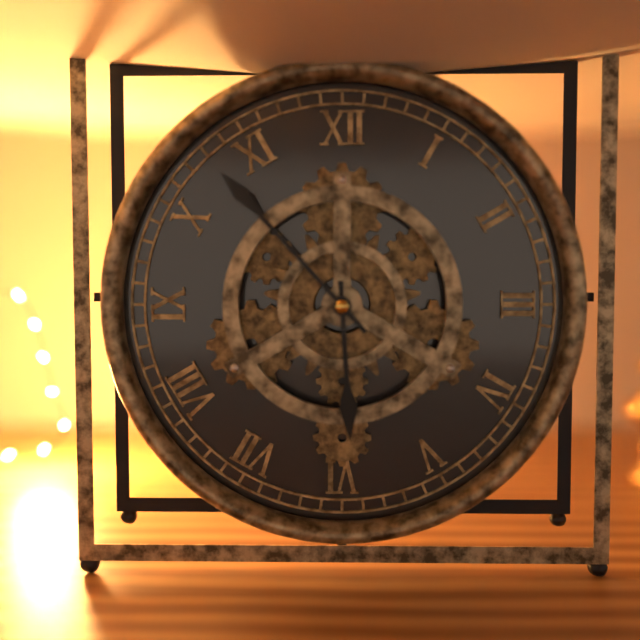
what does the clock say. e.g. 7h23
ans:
5h53
